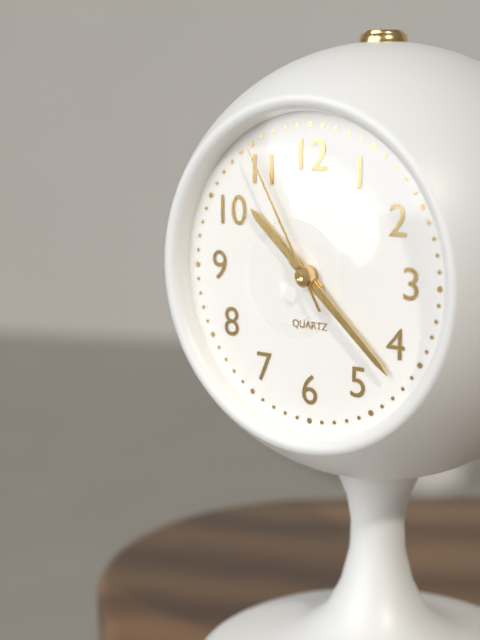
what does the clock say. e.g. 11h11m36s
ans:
10h22m55s
